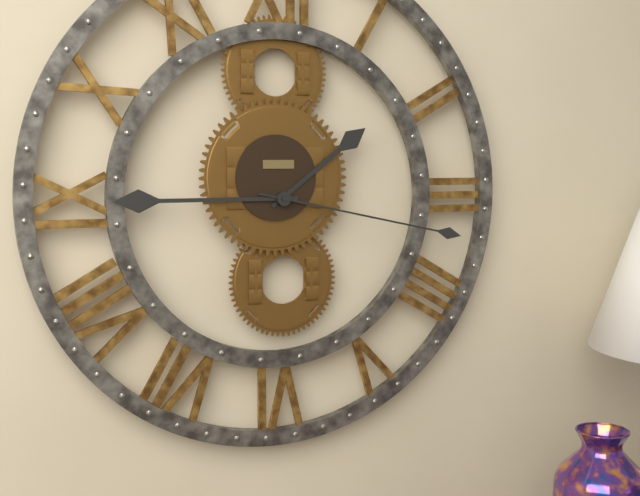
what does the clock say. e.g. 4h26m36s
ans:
1h45m17s
